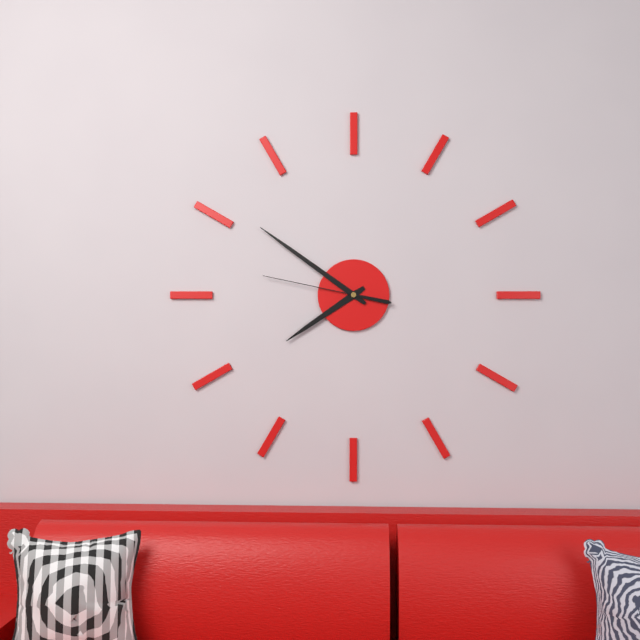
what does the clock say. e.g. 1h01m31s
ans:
7h51m47s
